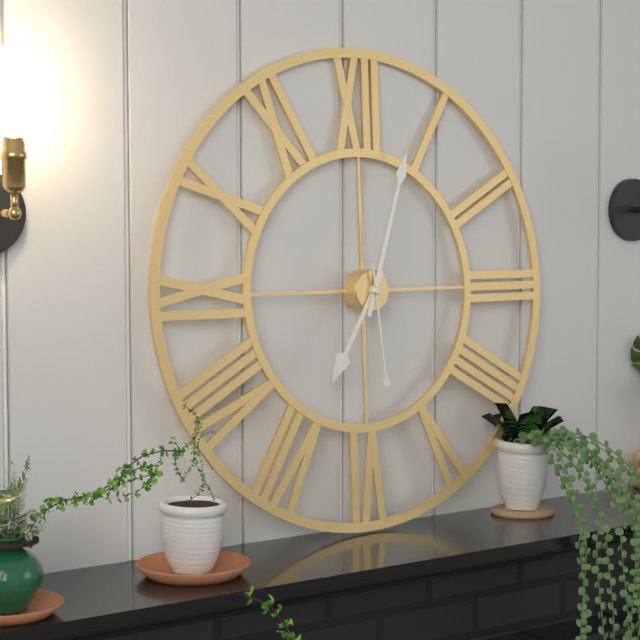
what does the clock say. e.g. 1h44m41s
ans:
7h03m29s
